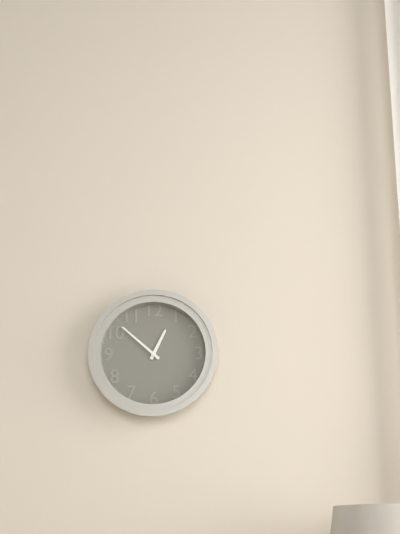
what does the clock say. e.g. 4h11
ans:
12h52
